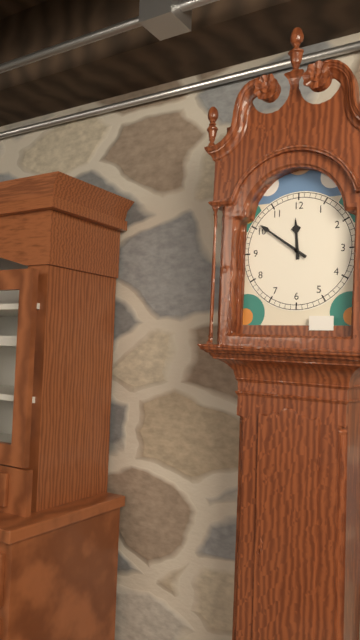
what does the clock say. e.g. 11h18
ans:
11h51
